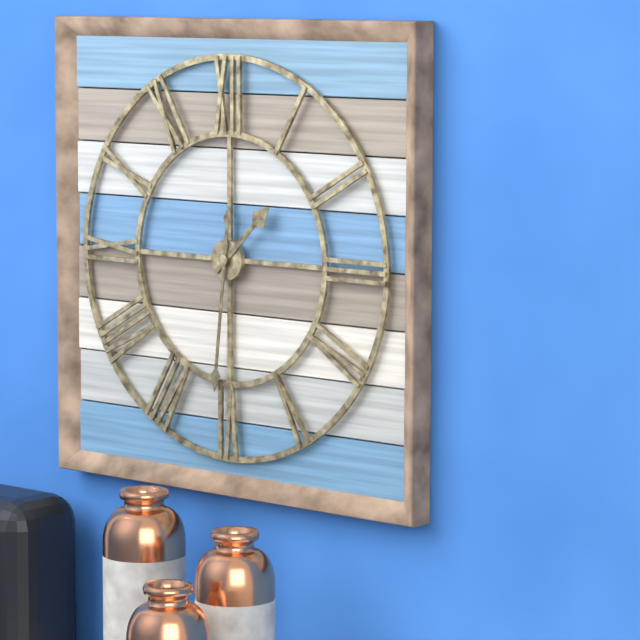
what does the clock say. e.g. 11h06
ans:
1h31
